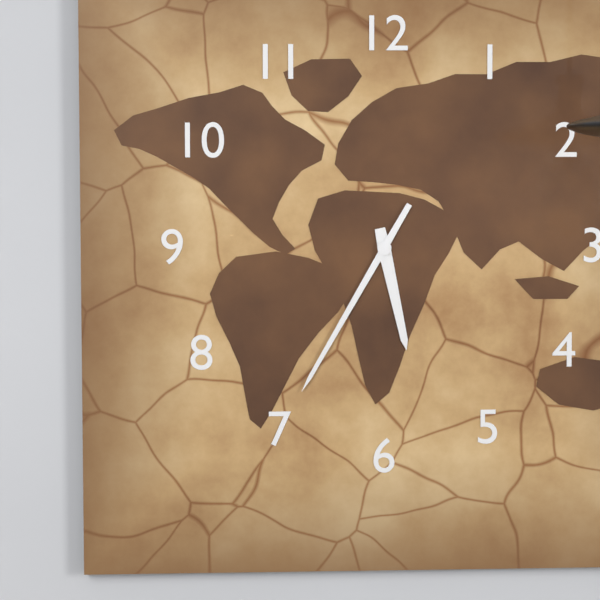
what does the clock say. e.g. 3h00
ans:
5h35
